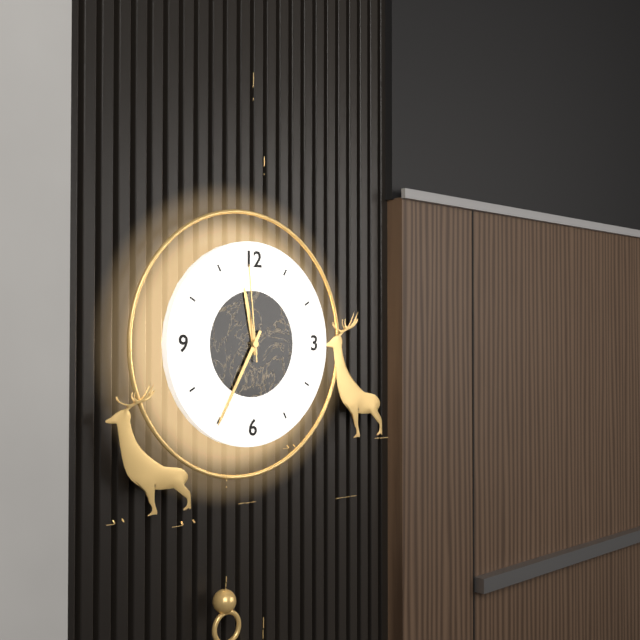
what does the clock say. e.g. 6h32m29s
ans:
11h35m59s
